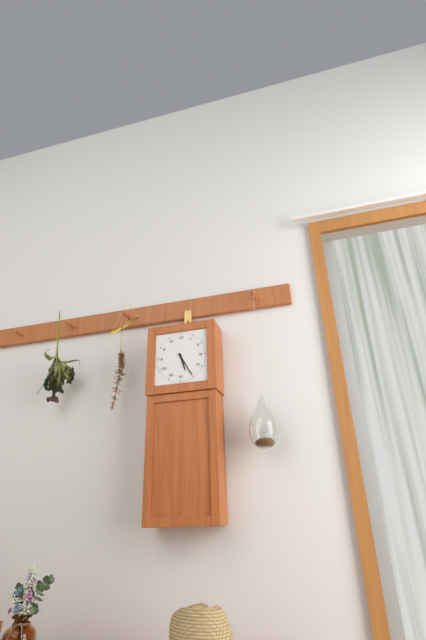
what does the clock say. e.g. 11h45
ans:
5h25
